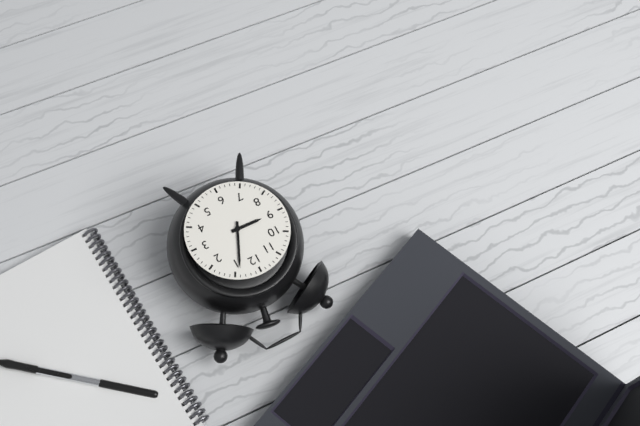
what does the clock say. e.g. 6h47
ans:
9h04
